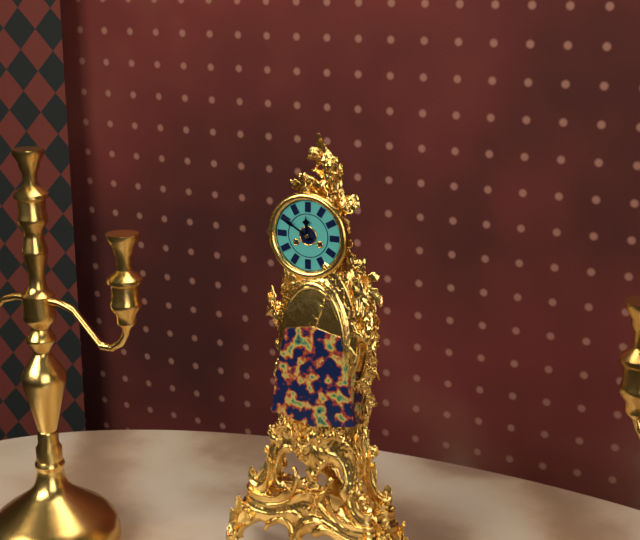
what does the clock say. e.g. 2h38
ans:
11h50
